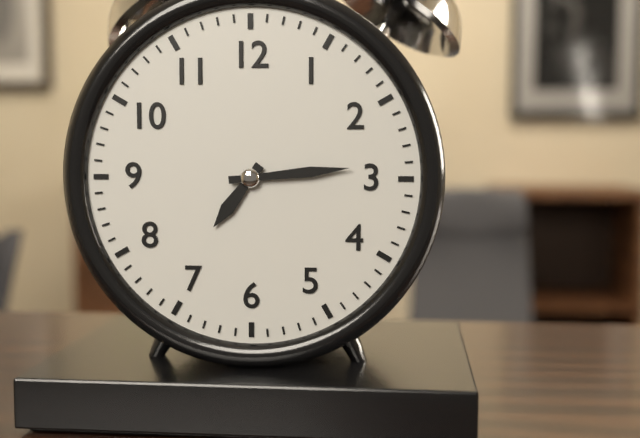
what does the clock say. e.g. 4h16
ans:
7h14
